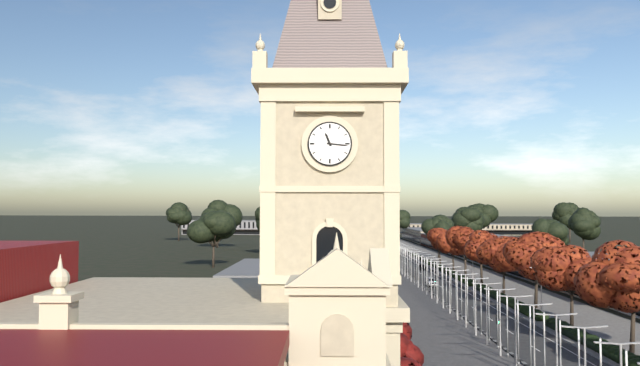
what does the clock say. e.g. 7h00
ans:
11h16
